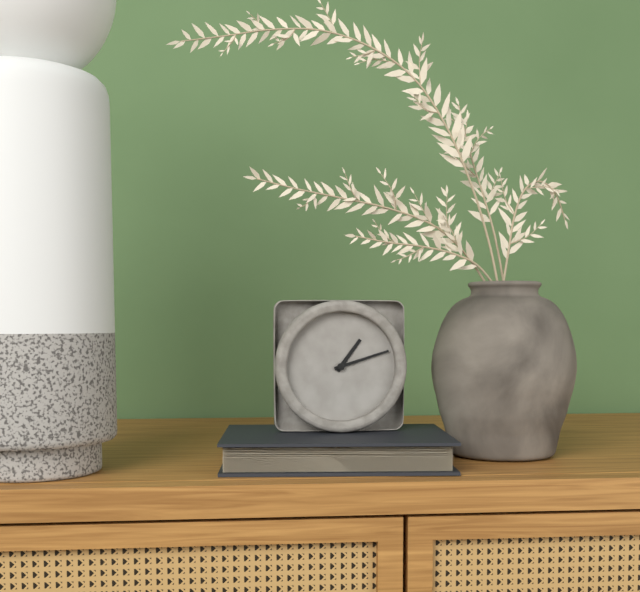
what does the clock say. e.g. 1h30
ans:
1h12
